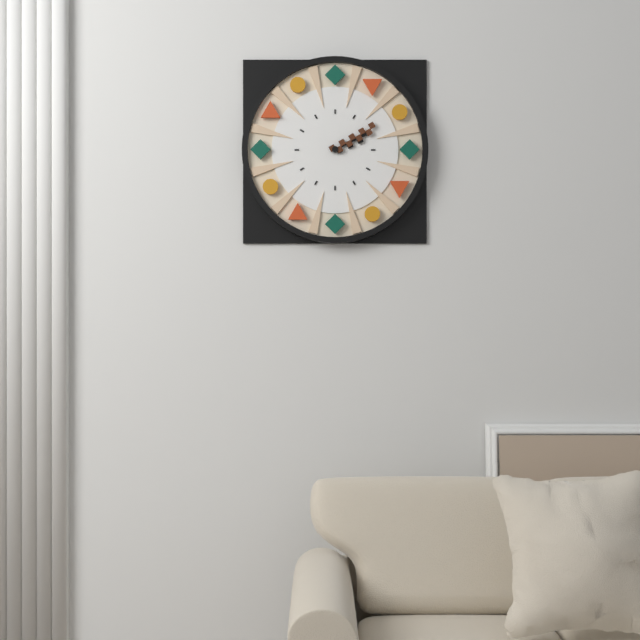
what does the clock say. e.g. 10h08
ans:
2h10
